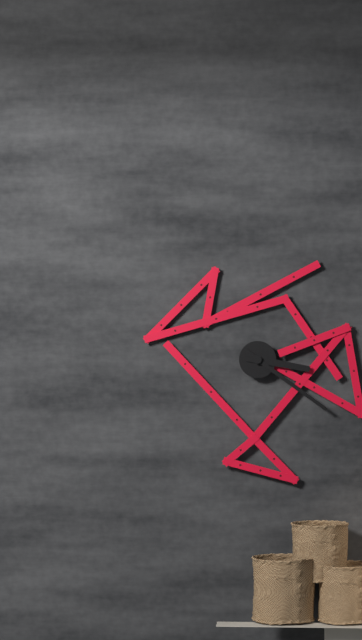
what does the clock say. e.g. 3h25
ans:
3h21
